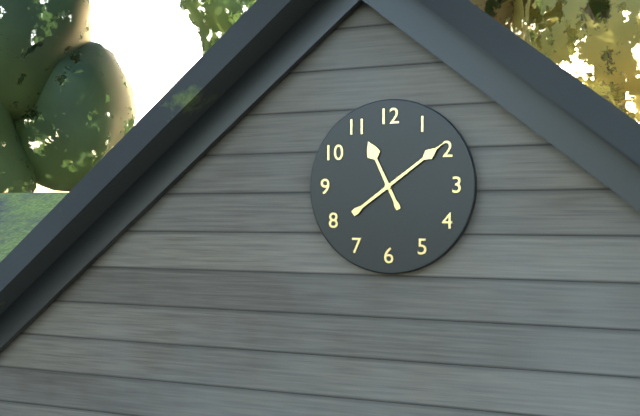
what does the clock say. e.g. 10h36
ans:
11h09
